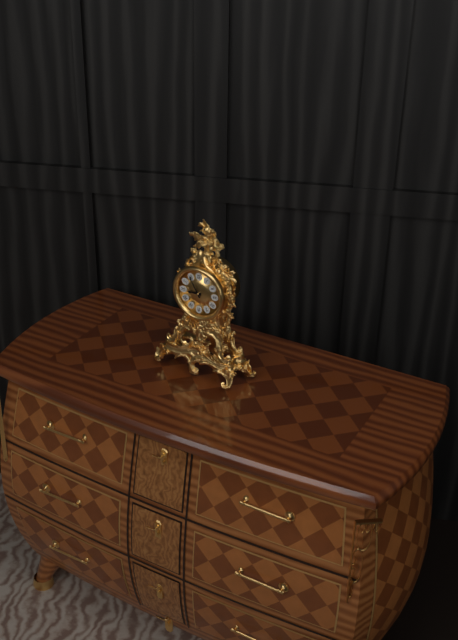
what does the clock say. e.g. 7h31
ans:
8h55
